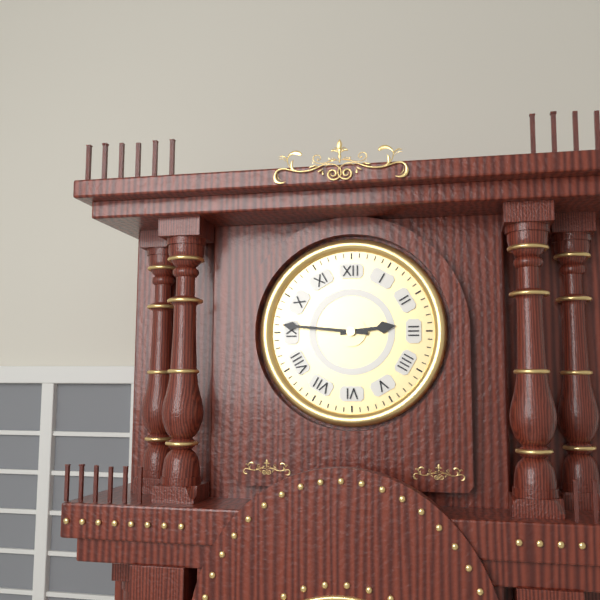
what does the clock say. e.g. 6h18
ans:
2h46
